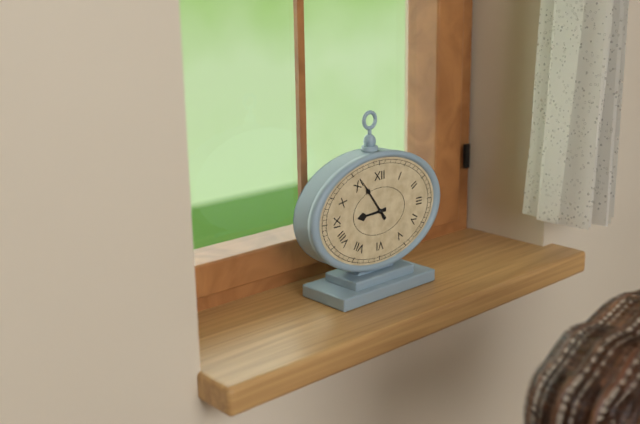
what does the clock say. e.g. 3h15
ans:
8h54
